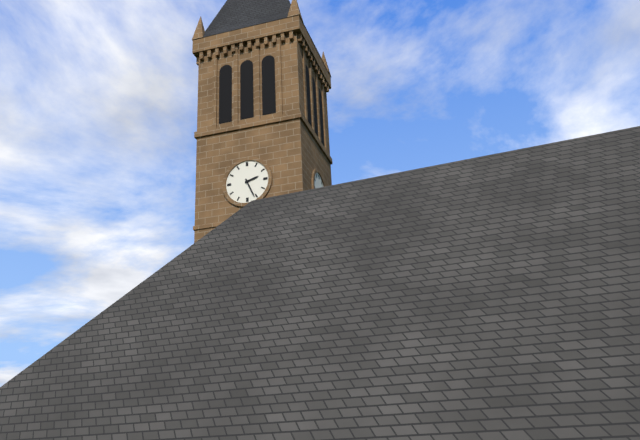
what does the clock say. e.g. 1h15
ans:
2h26
